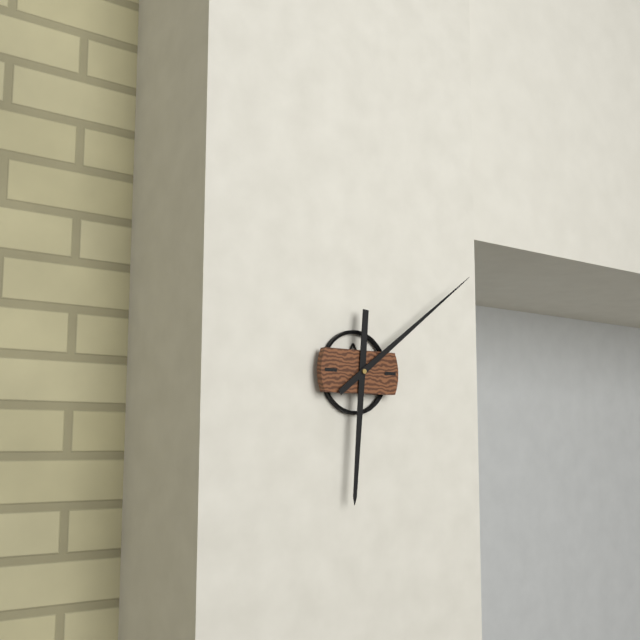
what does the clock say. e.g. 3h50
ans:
6h09
